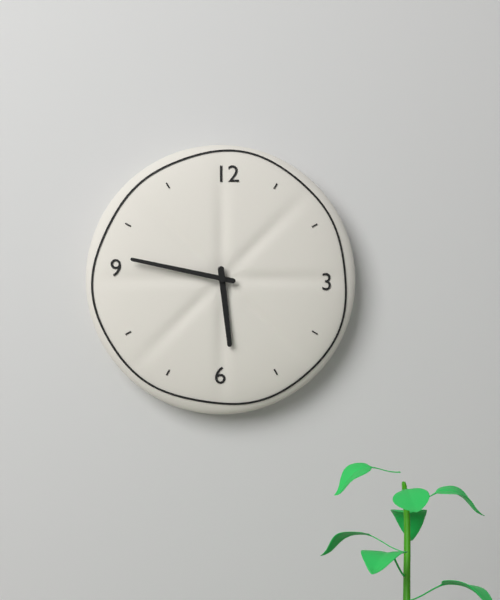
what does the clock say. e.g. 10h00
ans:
5h47
